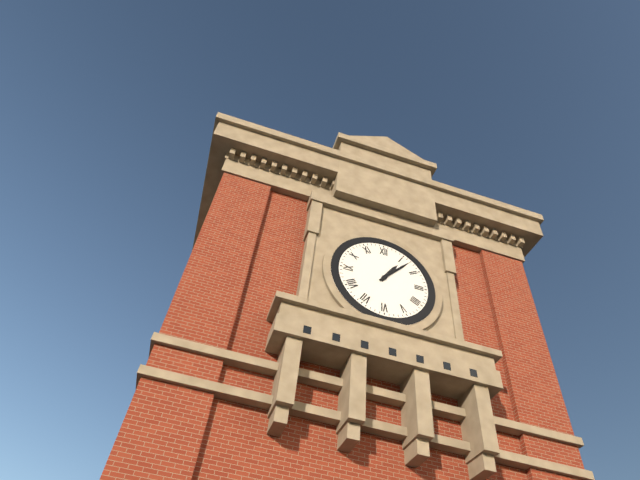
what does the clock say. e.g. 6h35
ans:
1h07
